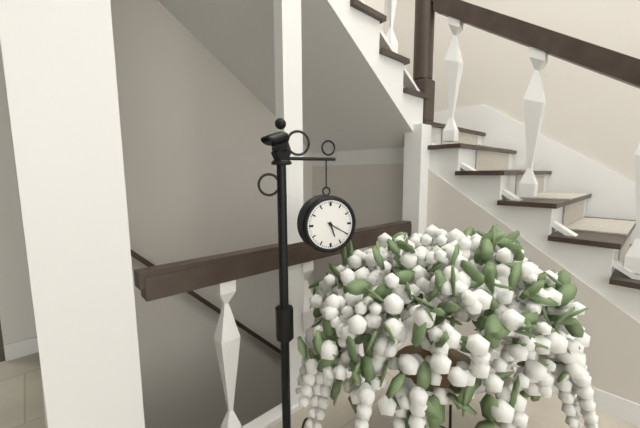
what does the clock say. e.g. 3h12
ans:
5h20
